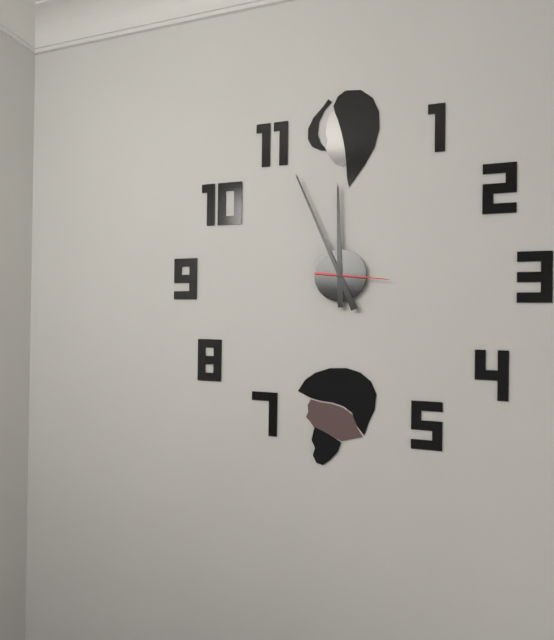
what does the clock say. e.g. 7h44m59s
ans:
11h56m16s
